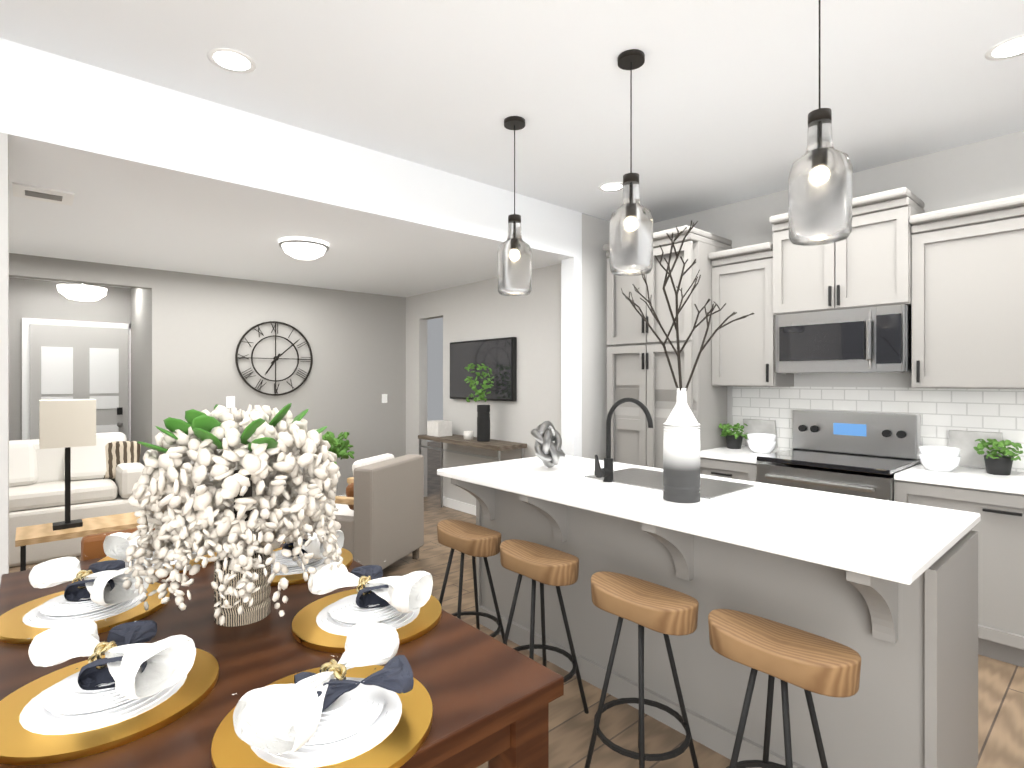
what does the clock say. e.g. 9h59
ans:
7h08
